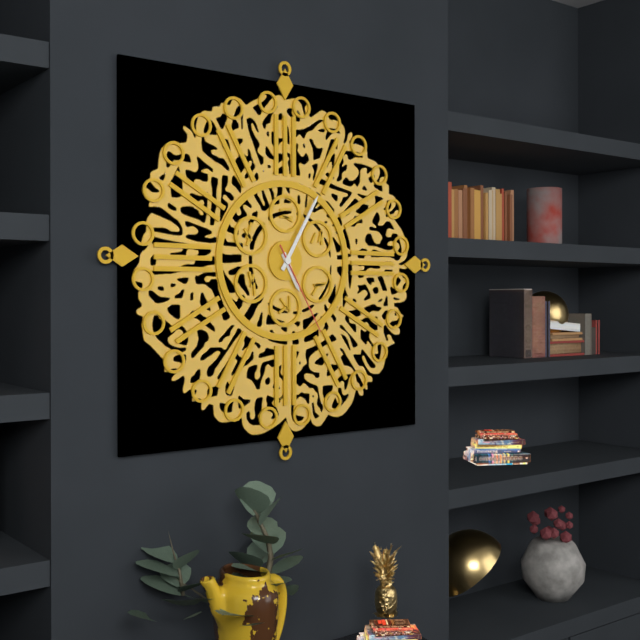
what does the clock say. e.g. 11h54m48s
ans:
5h05m25s
